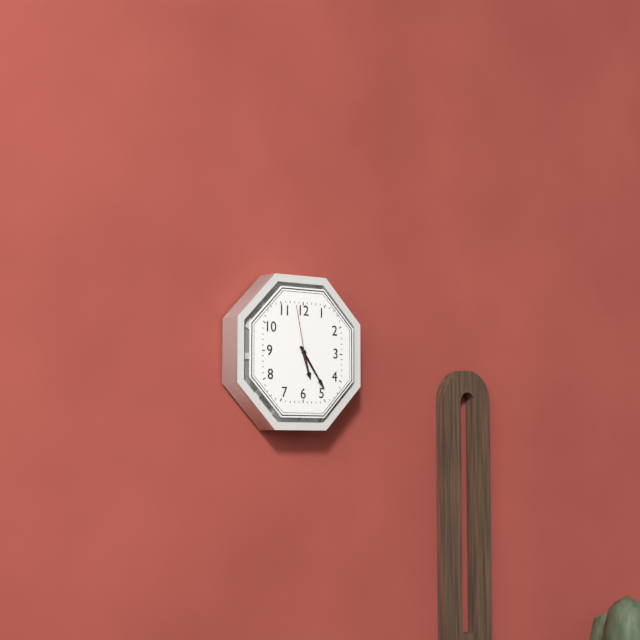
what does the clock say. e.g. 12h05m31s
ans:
5h24m58s
